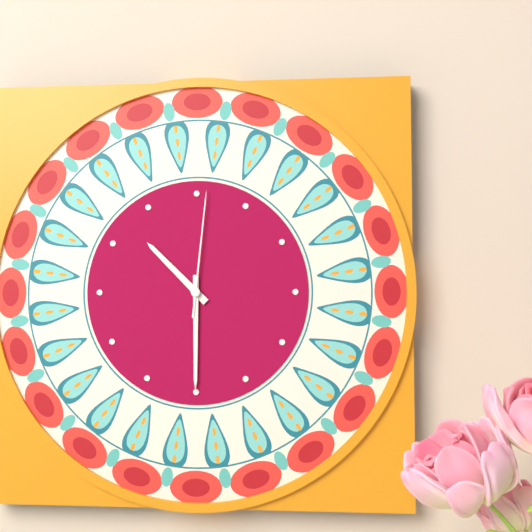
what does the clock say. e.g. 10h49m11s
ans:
10h30m01s
